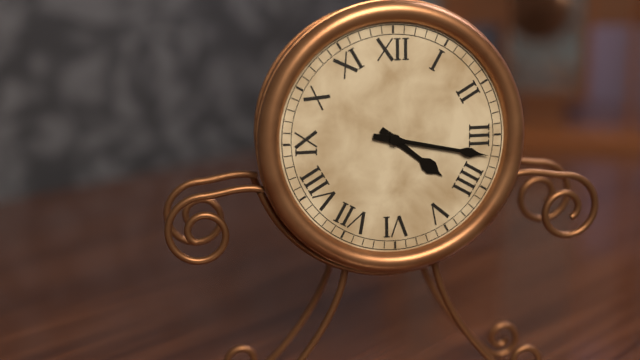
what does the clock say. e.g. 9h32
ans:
4h17
